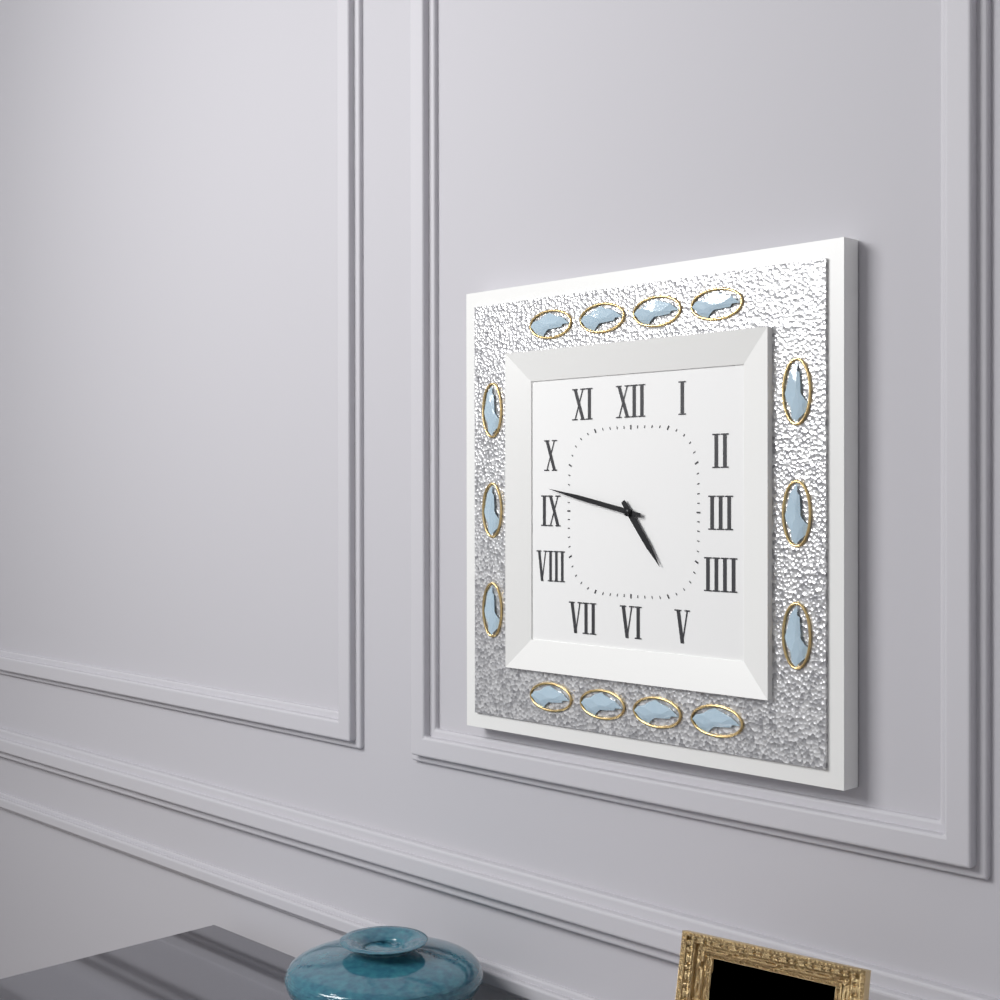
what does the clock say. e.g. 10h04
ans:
4h47
